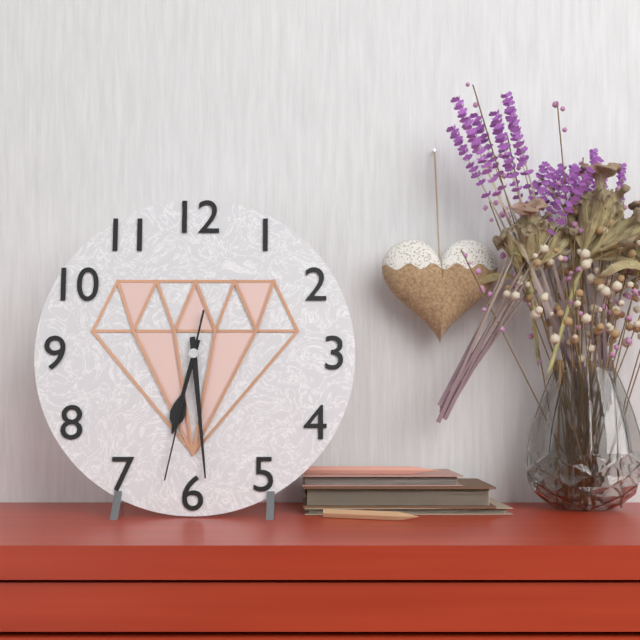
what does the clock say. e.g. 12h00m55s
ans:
6h29m32s
